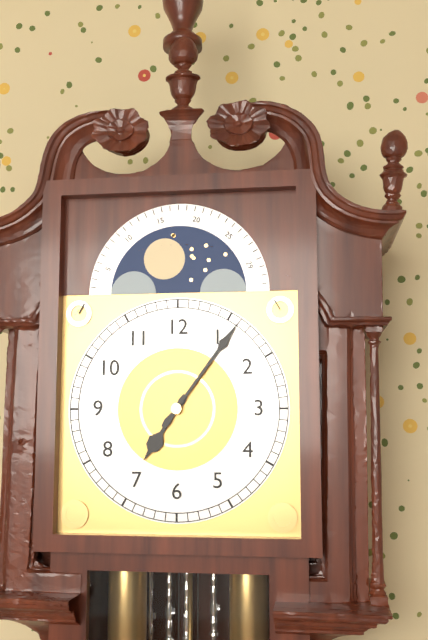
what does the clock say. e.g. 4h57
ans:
7h06
